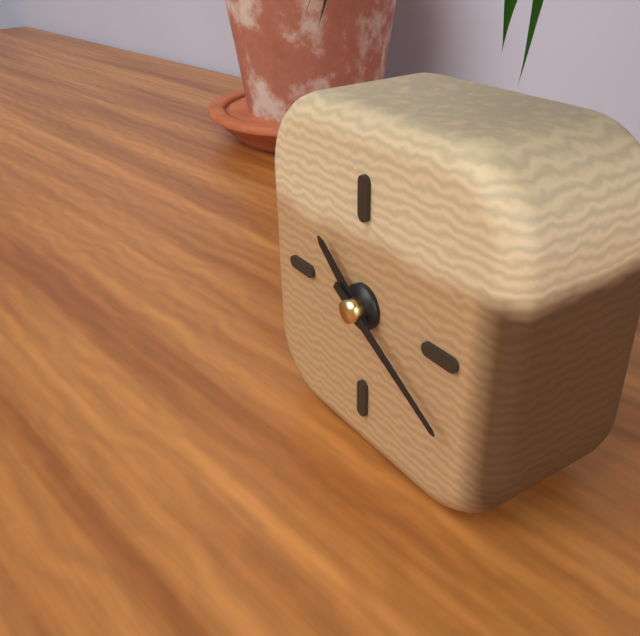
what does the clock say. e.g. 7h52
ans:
10h20
